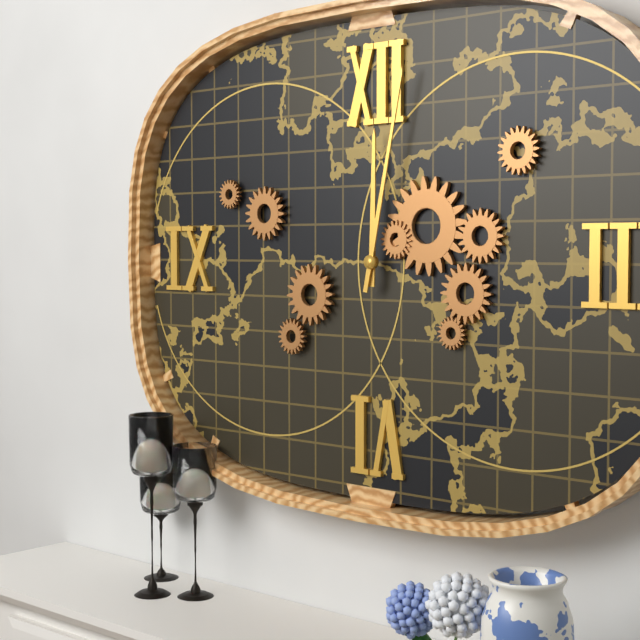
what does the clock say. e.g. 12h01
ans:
12h02
